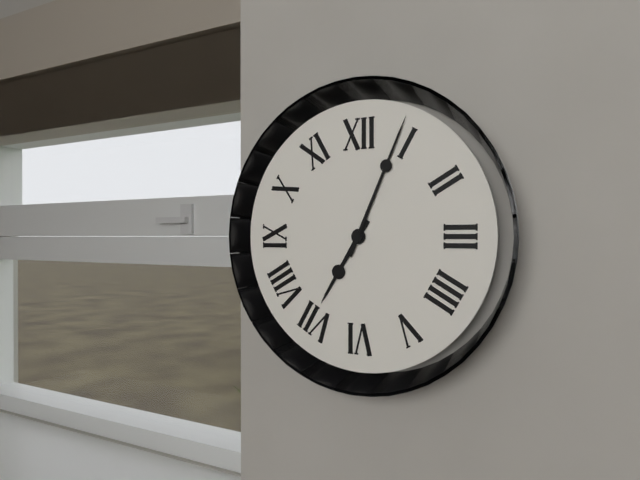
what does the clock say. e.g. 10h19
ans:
7h04
